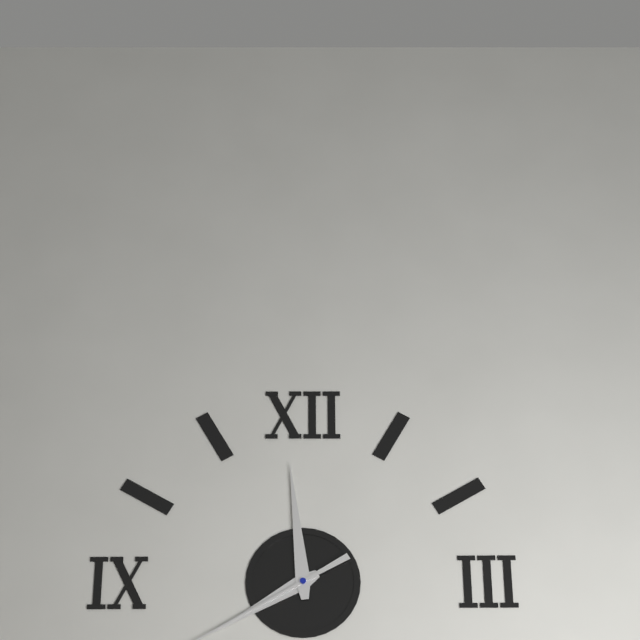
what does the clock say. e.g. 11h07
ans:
7h59
